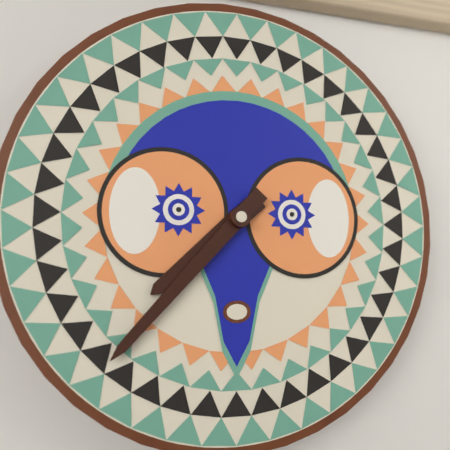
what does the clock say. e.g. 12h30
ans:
7h37
